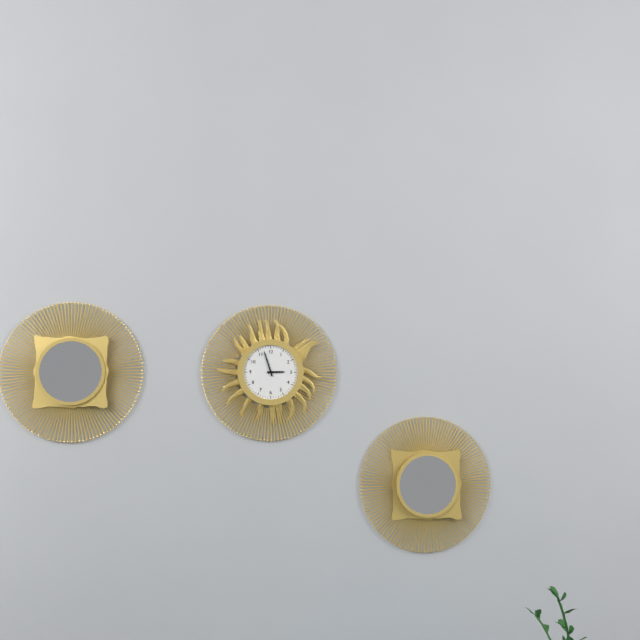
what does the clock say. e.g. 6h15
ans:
2h57
